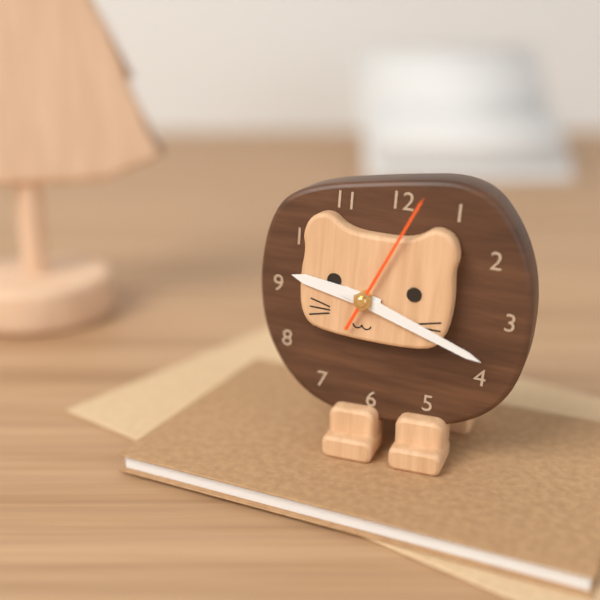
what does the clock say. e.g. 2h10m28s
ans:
9h18m04s
